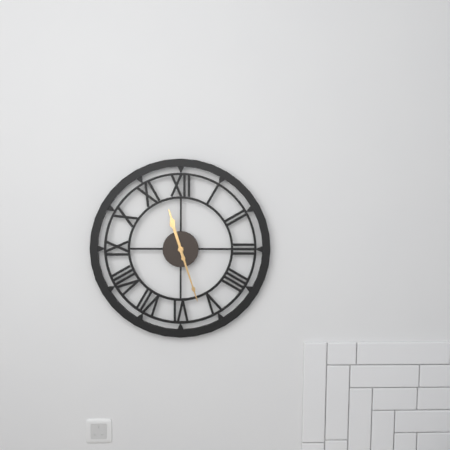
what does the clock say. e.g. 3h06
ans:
11h27
